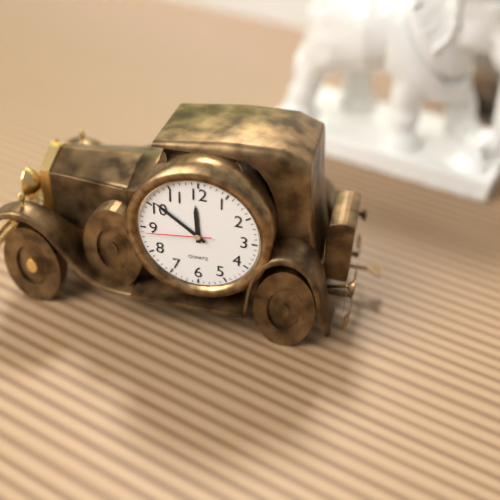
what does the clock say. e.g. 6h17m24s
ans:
11h51m44s
